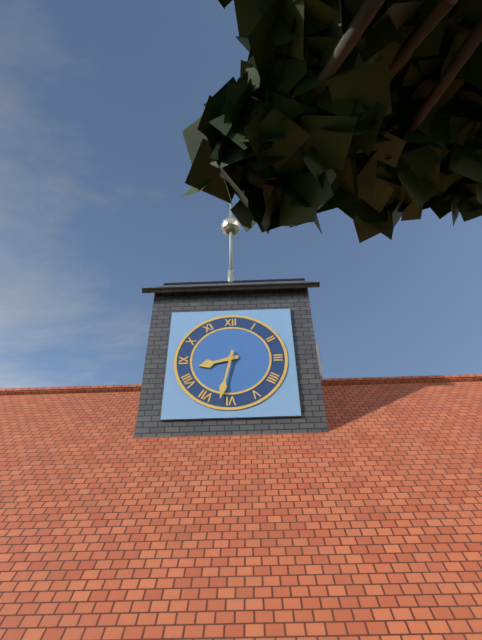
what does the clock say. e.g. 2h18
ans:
8h32
